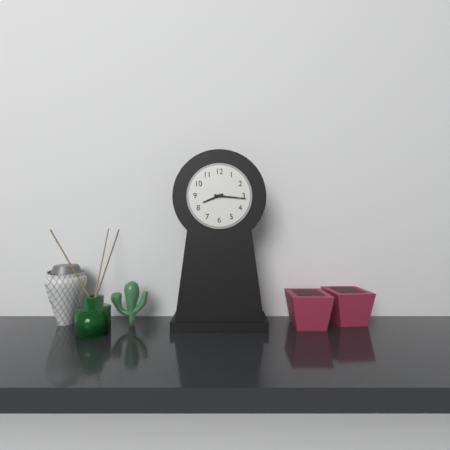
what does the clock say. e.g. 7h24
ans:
8h16
